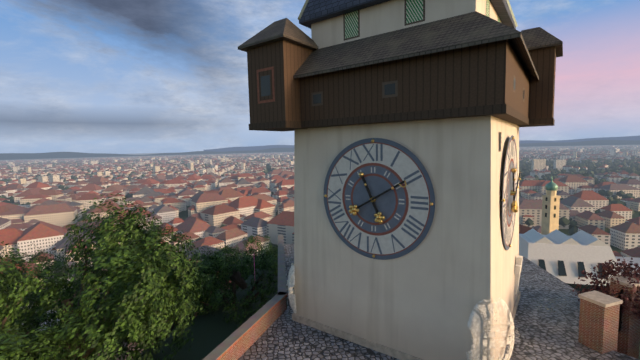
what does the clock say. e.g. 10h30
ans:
11h10
